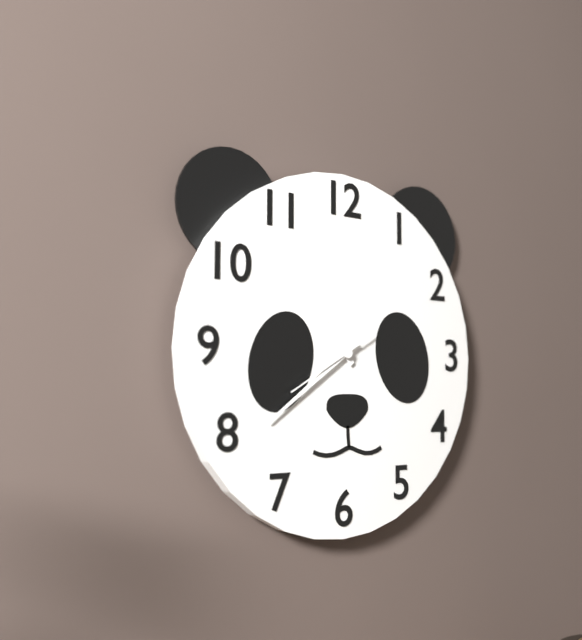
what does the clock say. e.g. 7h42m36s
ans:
10h39m40s
